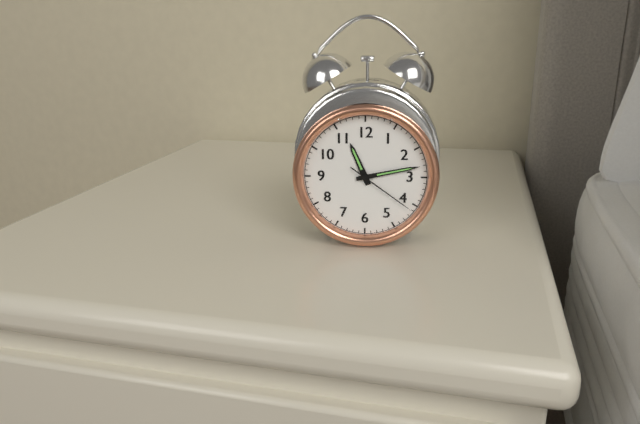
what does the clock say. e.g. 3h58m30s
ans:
11h13m21s
